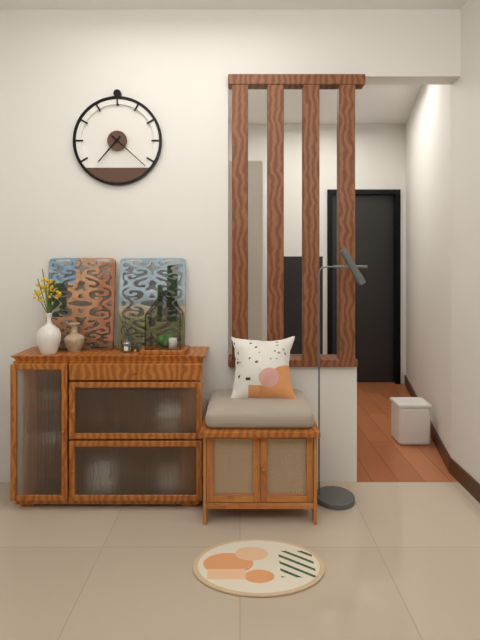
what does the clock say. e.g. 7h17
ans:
7h22
